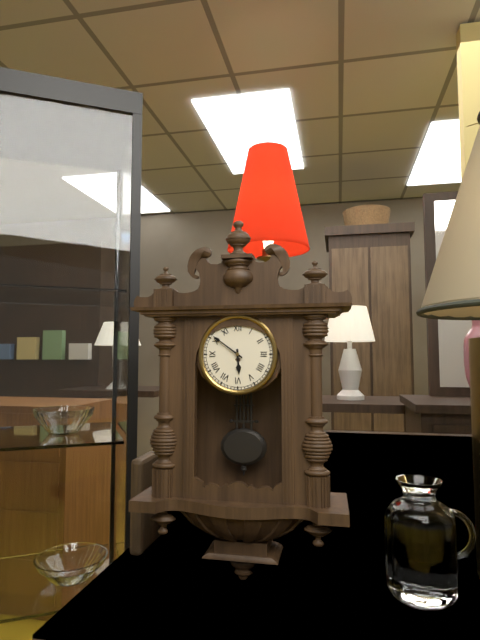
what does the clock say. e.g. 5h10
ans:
5h51
